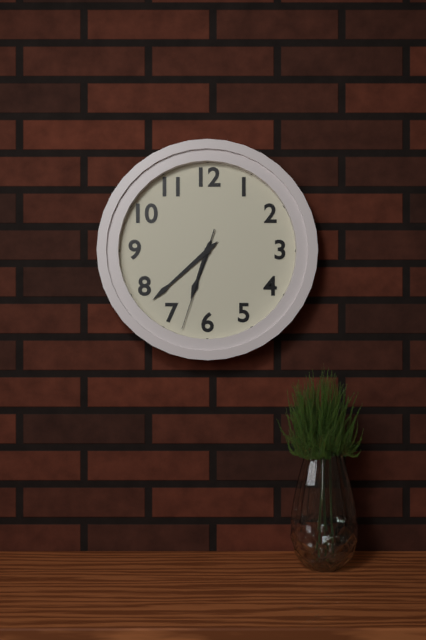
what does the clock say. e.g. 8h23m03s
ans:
6h38m33s
